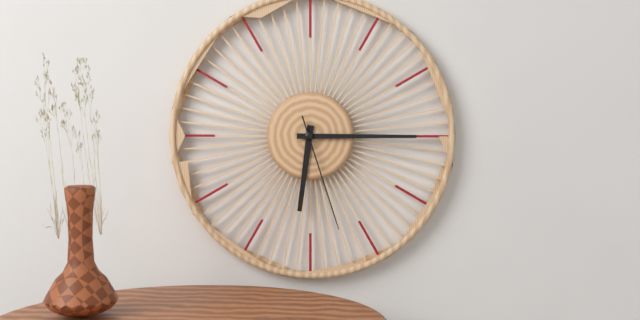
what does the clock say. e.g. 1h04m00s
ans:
6h15m27s
